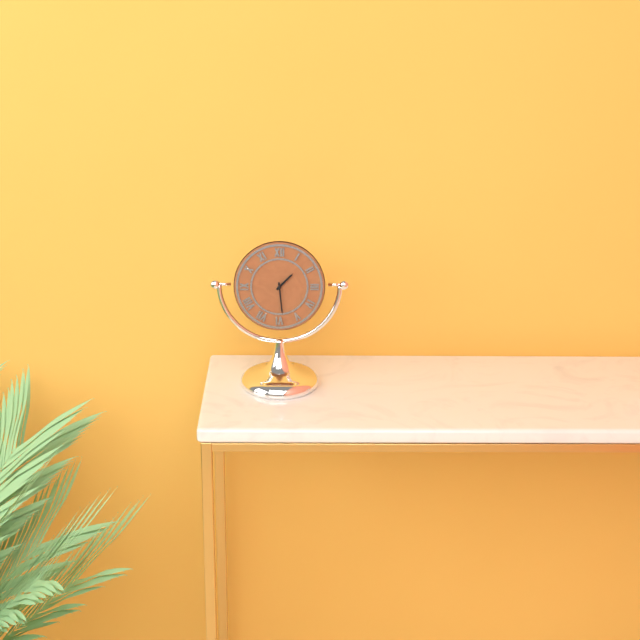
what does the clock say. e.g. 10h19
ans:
1h29
